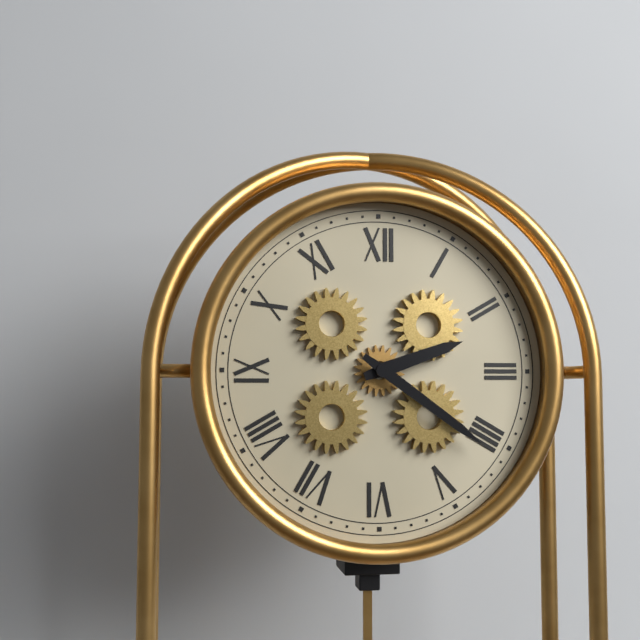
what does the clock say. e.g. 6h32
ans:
2h21
